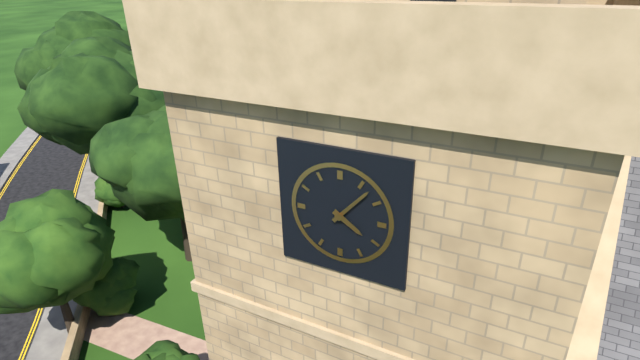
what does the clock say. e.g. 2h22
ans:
4h07
